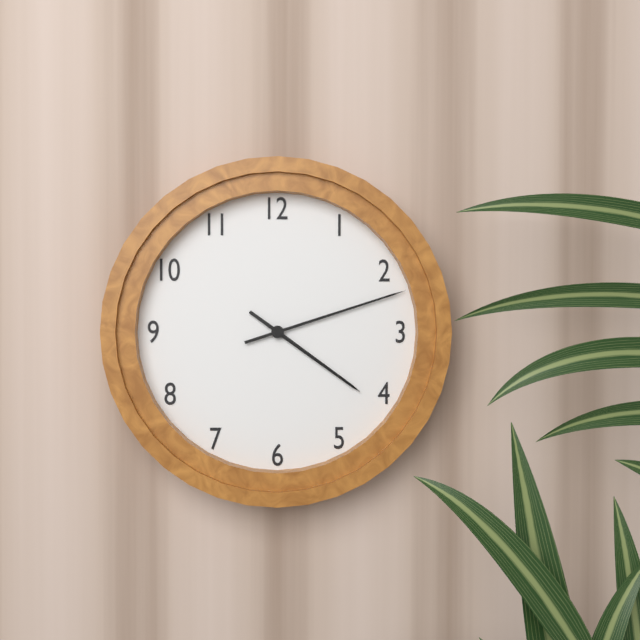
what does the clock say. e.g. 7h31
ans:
4h12
